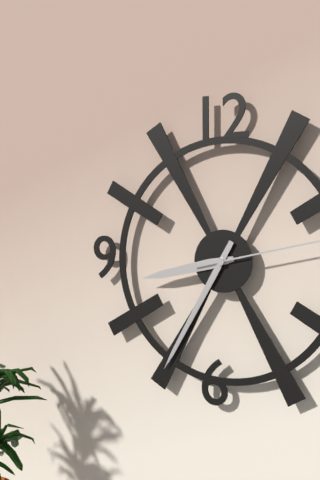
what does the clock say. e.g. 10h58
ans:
8h35
